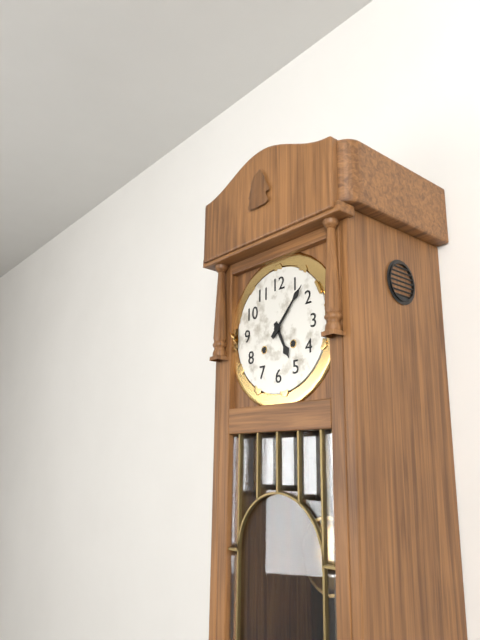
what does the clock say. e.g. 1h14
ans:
5h07
